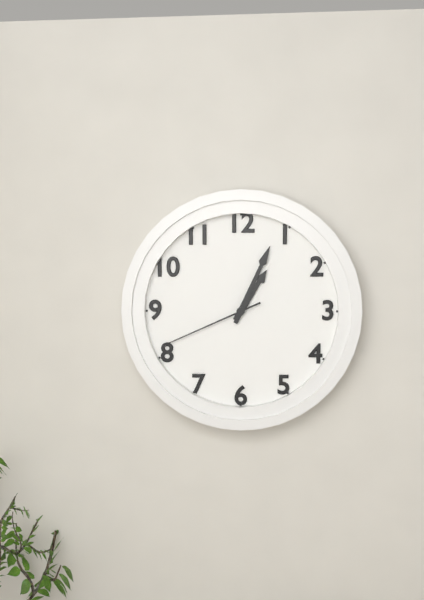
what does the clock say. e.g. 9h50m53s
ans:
1h04m41s
